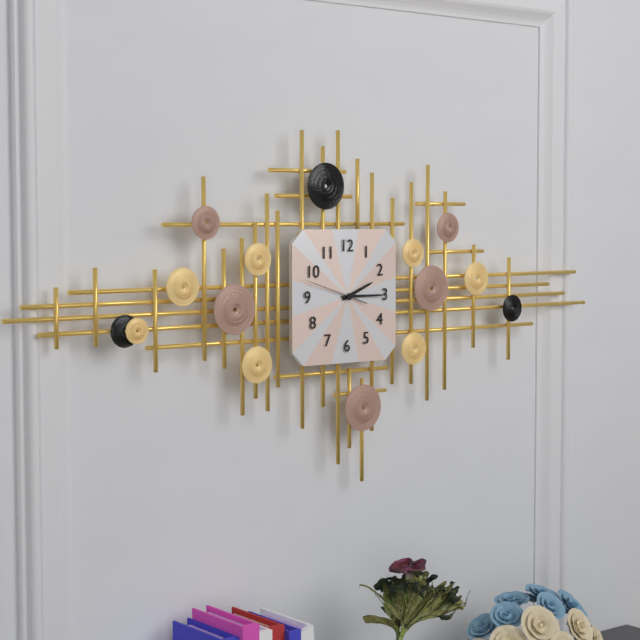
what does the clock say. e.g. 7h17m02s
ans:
2h15m48s
